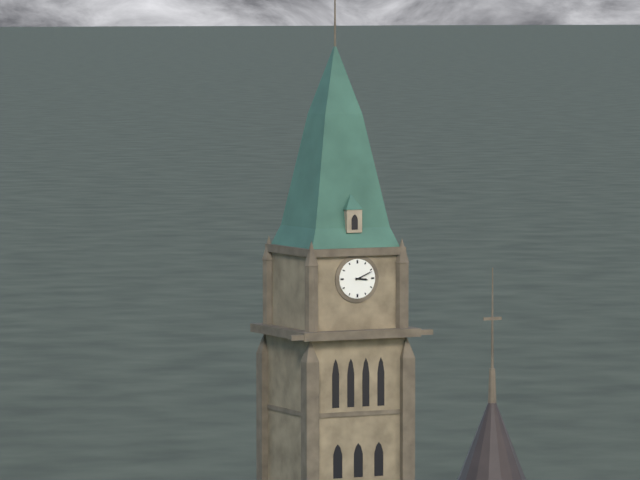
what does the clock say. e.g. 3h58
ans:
3h11
